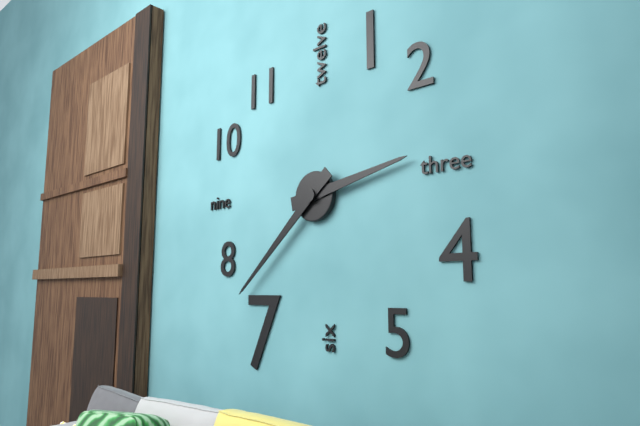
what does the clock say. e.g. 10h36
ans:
2h38
